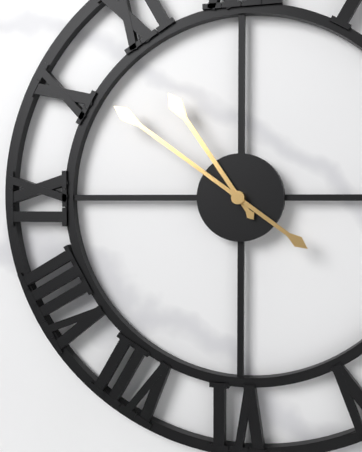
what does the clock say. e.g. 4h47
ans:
10h51
